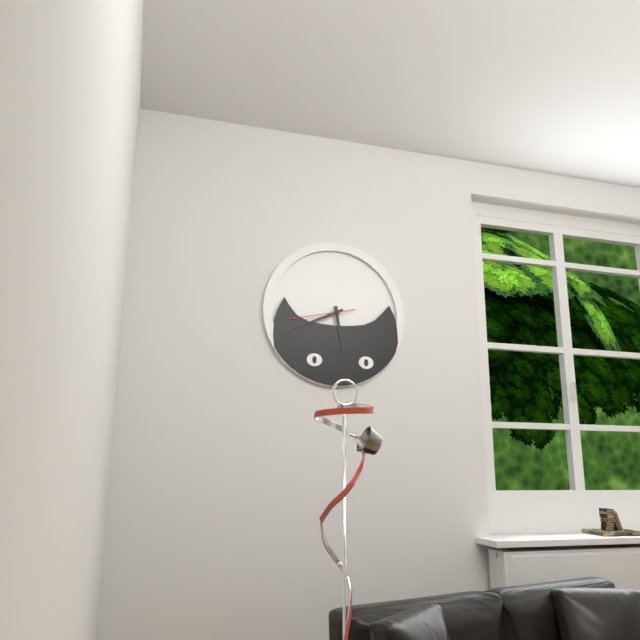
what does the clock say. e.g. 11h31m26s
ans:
5h41m43s
